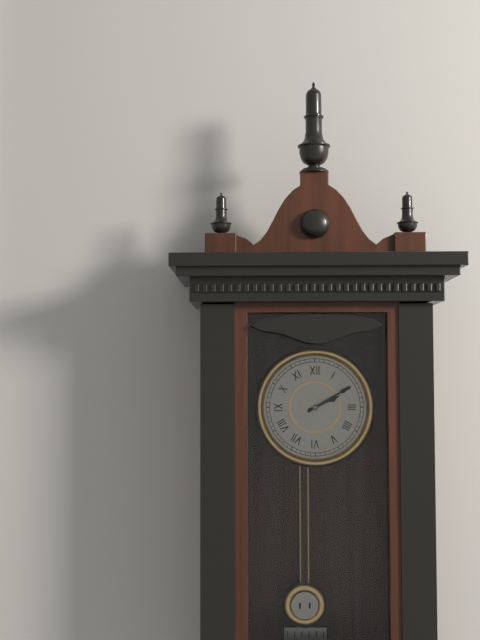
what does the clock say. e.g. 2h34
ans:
2h10
